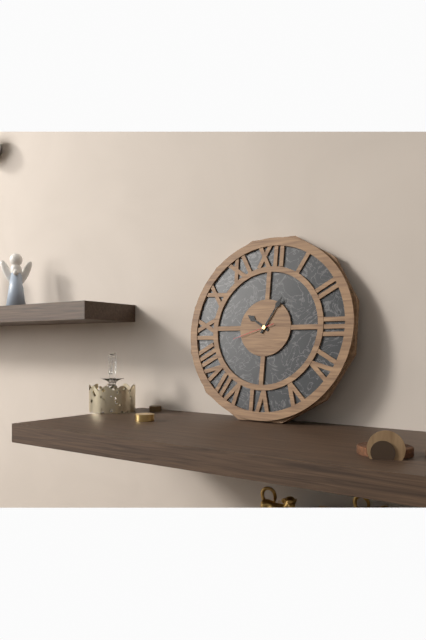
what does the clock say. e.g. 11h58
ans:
10h05
